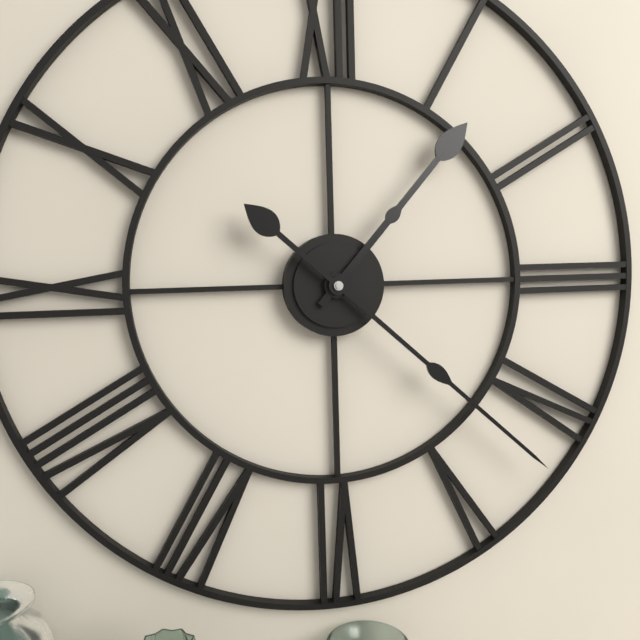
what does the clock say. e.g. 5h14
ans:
1h22
